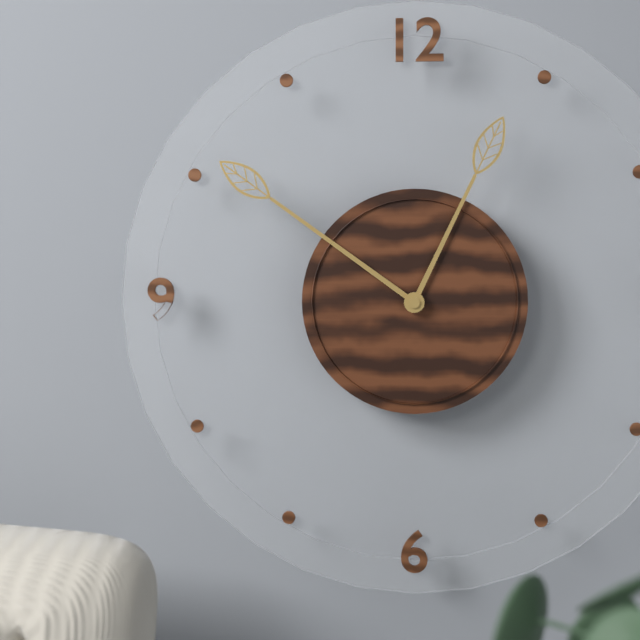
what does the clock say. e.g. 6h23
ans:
12h51
